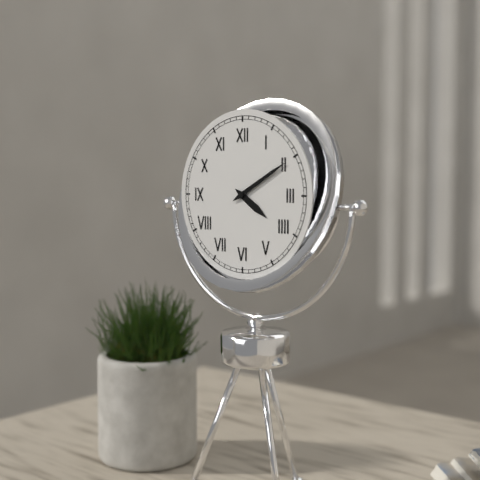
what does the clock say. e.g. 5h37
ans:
4h10
